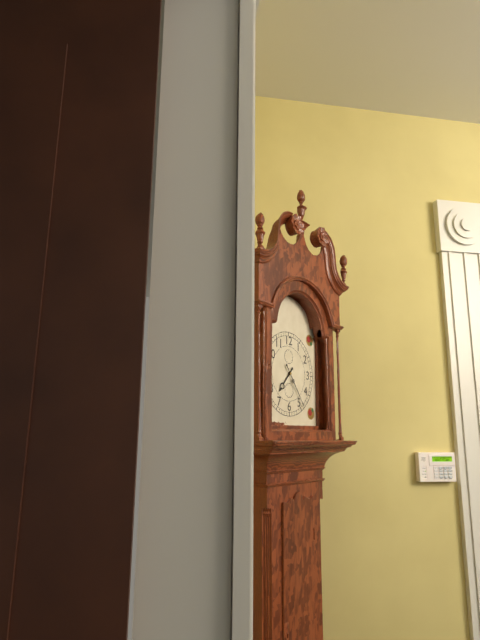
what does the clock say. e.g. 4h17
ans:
7h24
